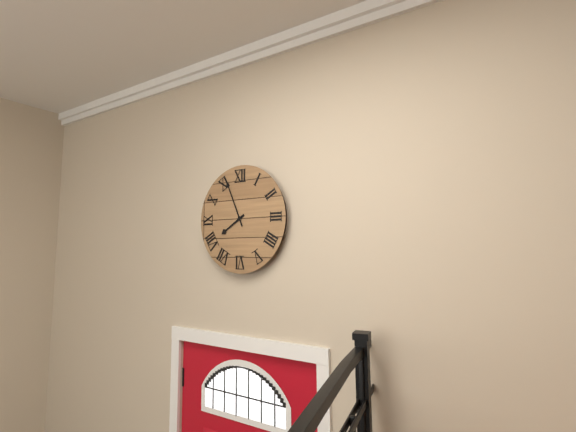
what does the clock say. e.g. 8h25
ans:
7h56
